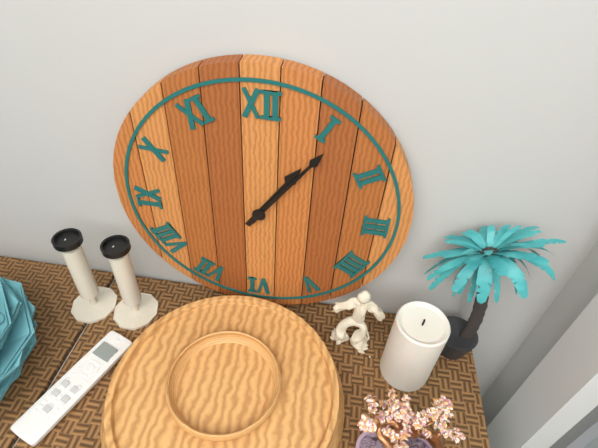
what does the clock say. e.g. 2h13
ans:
1h06
